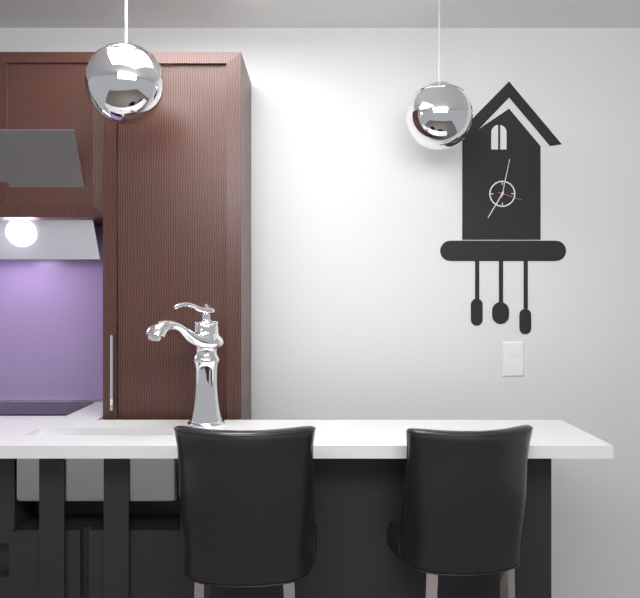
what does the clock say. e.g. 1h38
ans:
7h02
